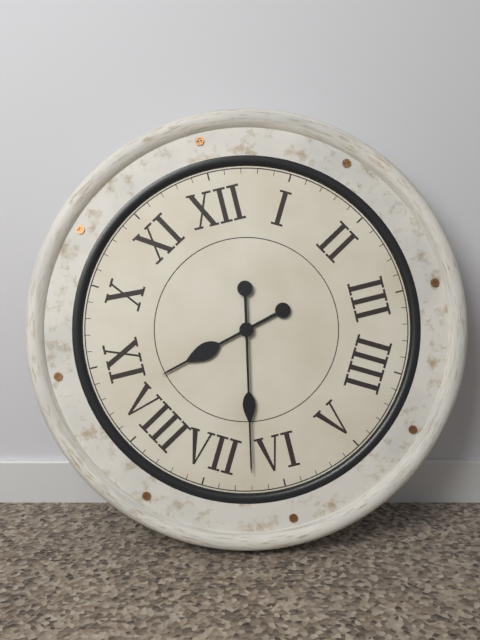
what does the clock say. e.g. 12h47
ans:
8h32
